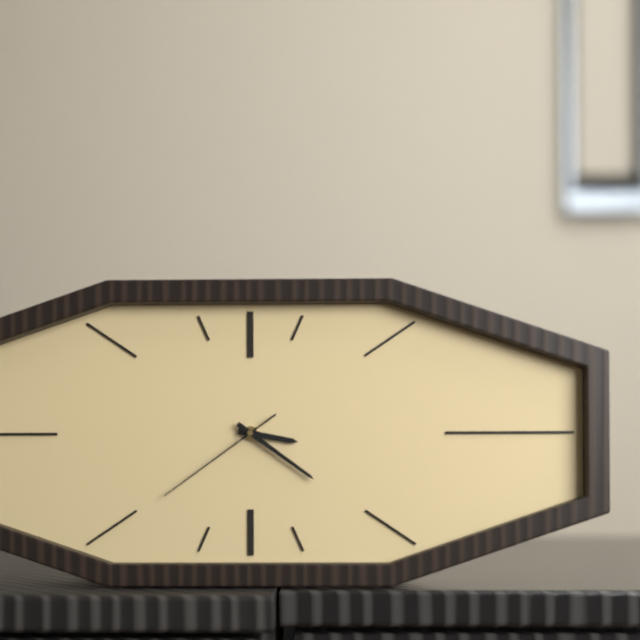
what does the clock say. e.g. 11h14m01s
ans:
3h21m39s
